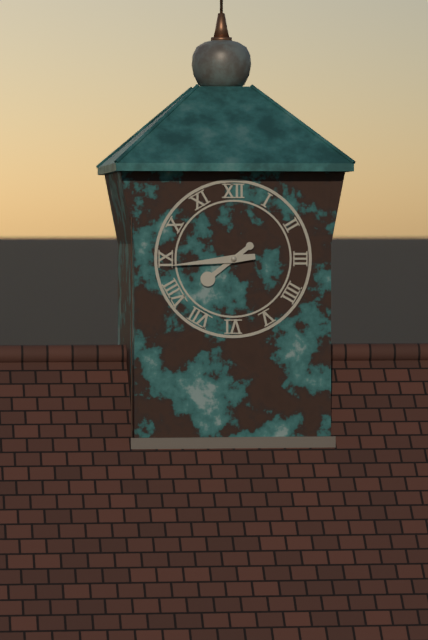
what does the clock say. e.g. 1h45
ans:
7h44
